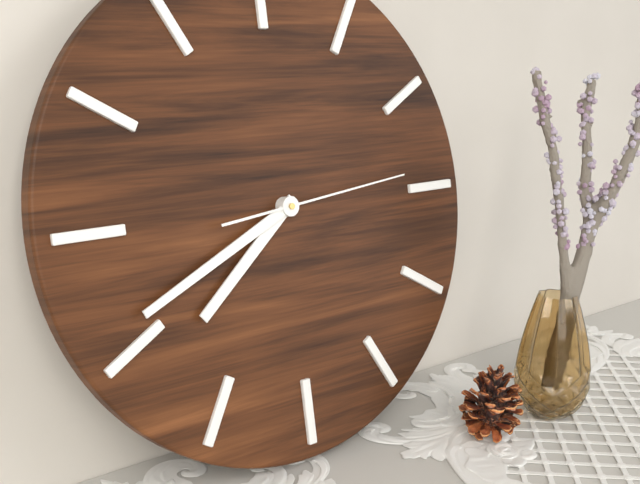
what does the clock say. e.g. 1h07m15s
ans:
7h41m14s
